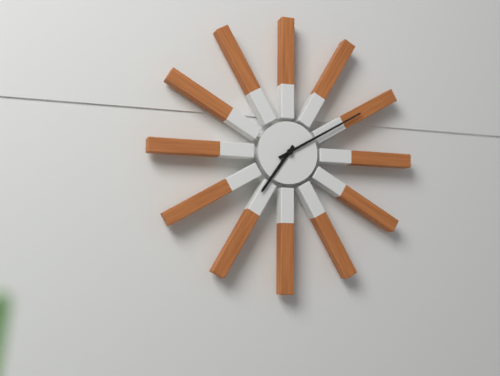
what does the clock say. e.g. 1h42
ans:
7h10
